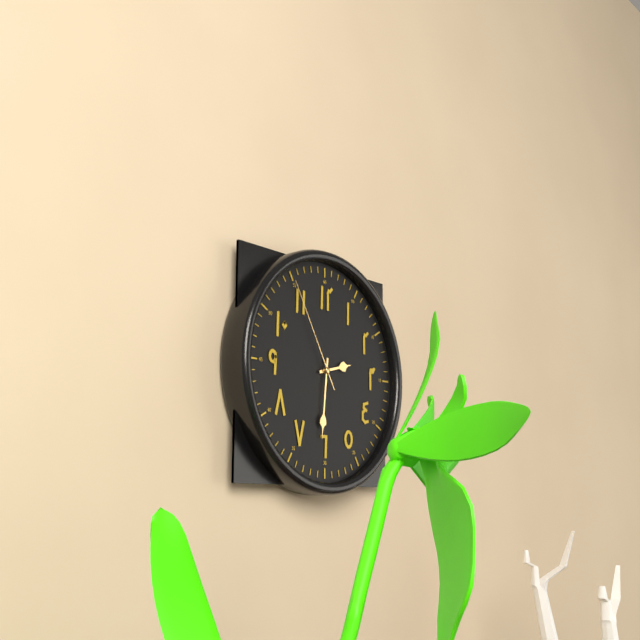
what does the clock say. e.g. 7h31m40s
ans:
2h31m55s
